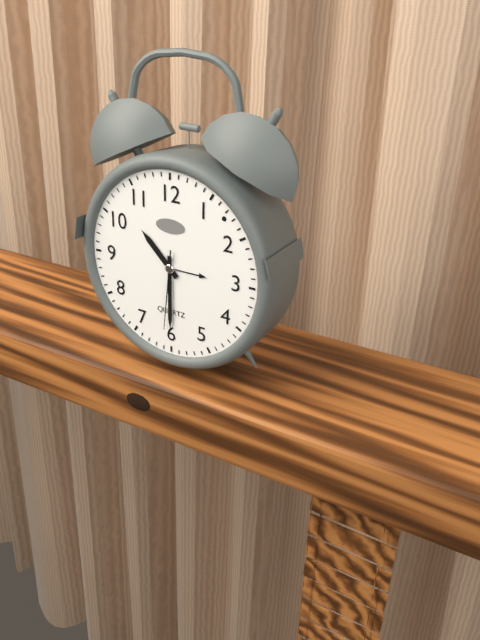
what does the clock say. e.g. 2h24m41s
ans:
10h30m31s
